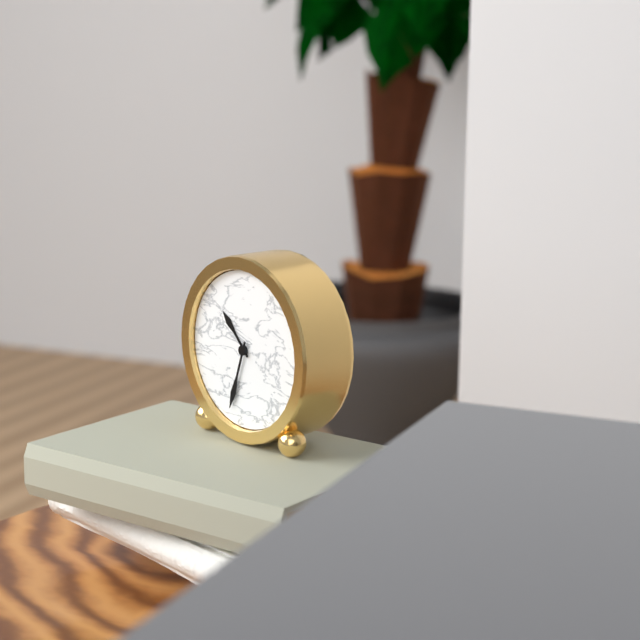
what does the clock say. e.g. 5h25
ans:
10h33
